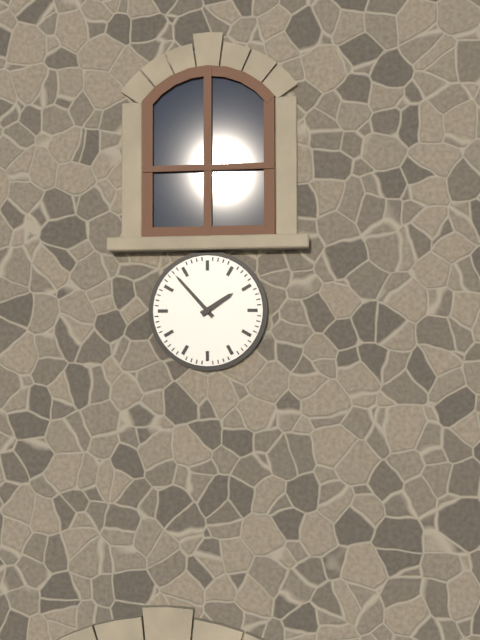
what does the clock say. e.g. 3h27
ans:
1h53
